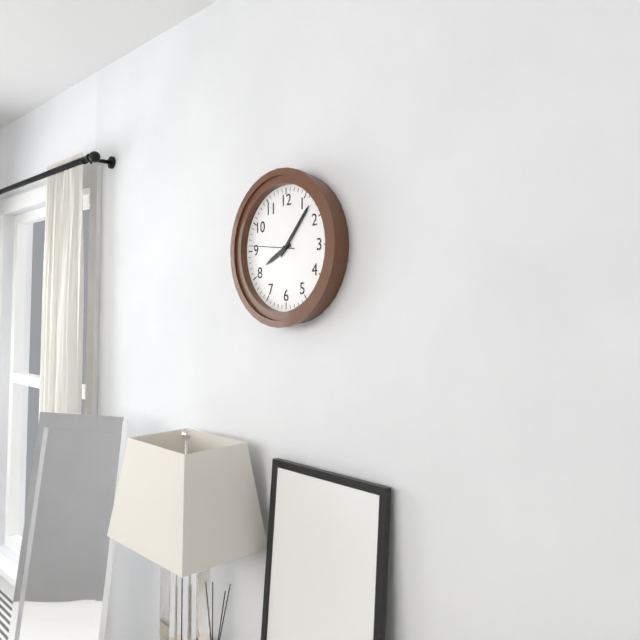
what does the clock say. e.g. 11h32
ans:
8h07
